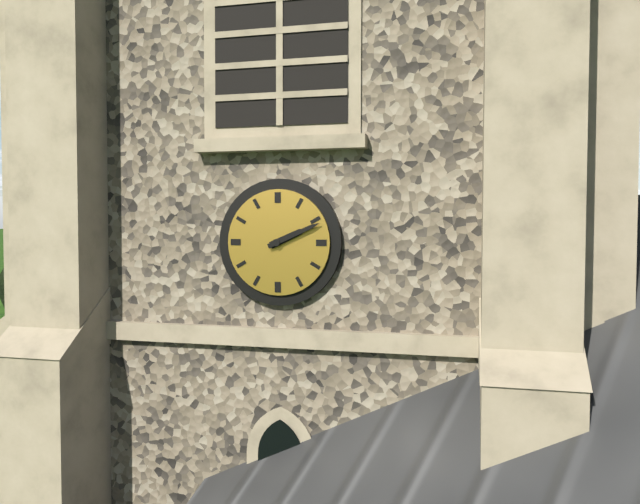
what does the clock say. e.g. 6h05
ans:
2h11
